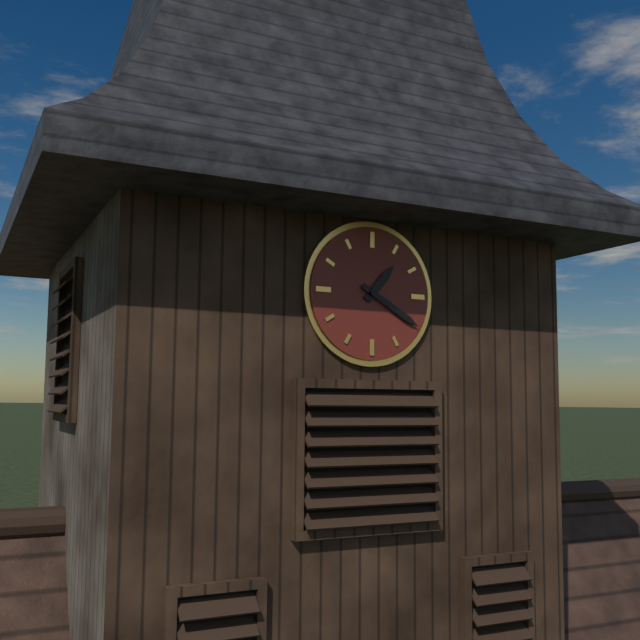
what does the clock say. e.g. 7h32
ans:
1h20
